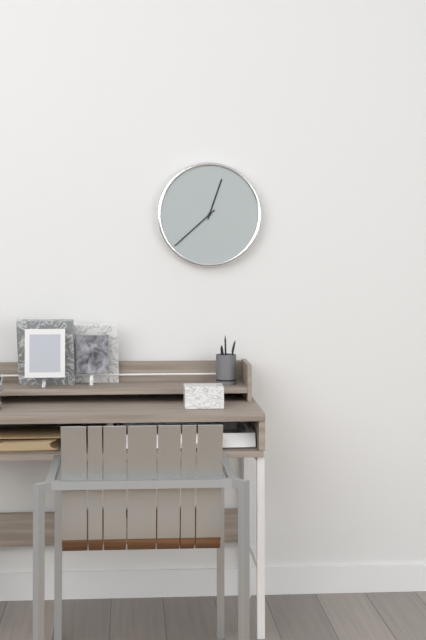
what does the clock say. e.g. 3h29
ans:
12h38
